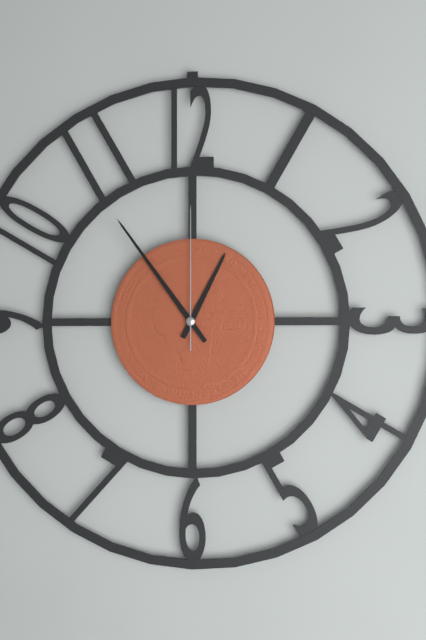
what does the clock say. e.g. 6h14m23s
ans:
12h54m00s
